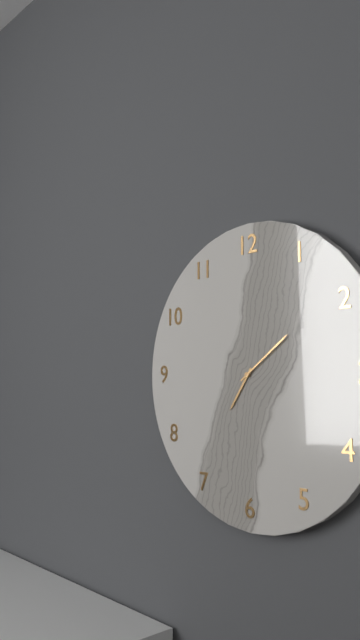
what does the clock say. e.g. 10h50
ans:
7h09
